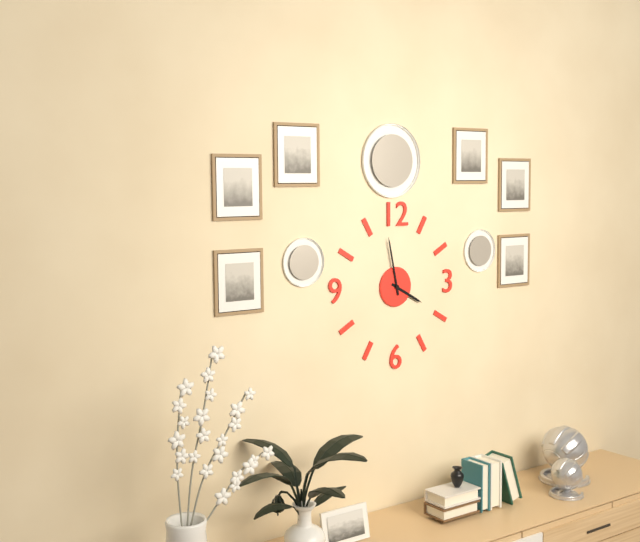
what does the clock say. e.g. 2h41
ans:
3h58
